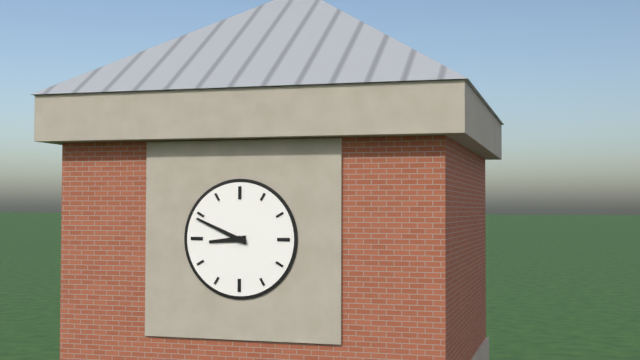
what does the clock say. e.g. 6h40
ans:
8h49
